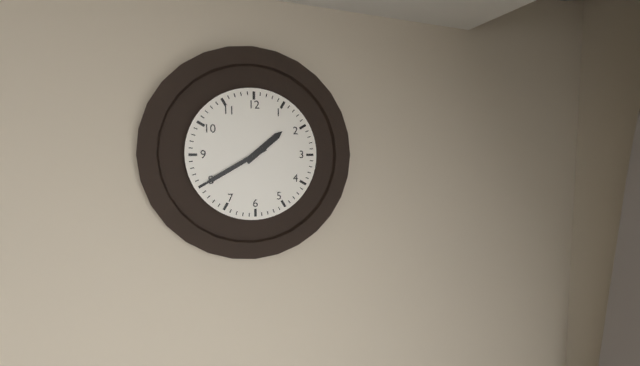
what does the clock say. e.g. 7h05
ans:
1h40
